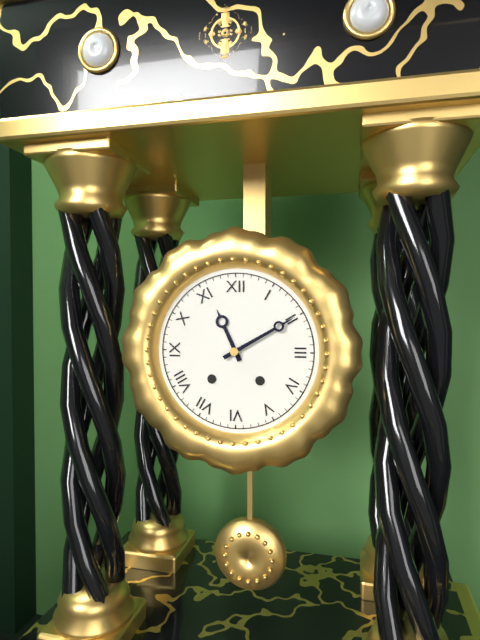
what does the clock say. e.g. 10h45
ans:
11h10
